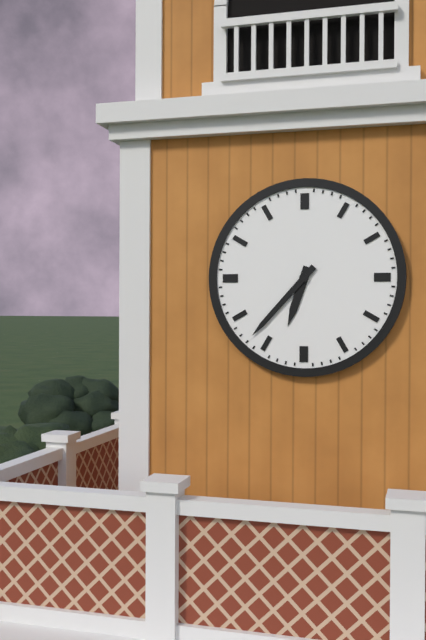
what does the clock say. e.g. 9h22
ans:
6h37
